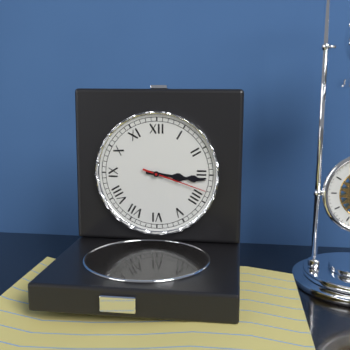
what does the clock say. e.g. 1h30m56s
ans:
3h16m18s
